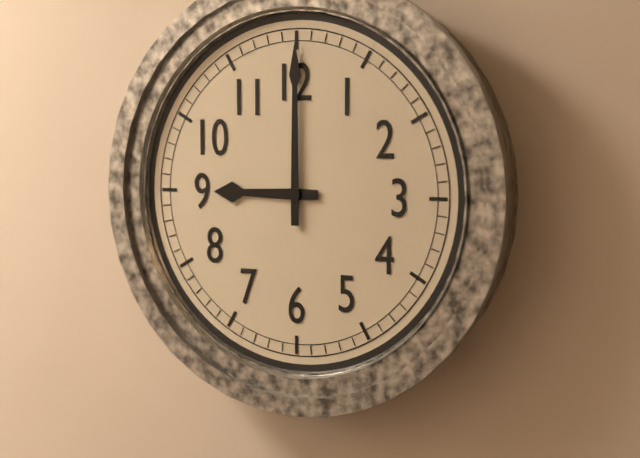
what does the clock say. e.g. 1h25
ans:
9h00
